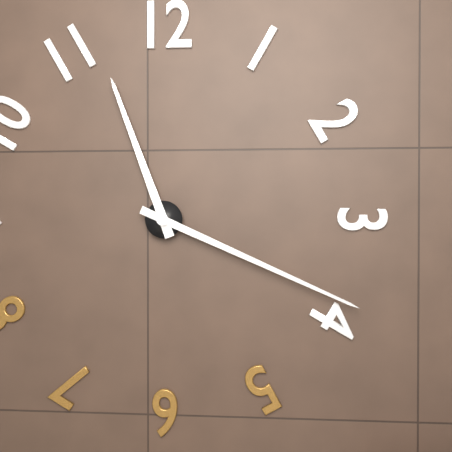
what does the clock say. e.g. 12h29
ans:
11h19
